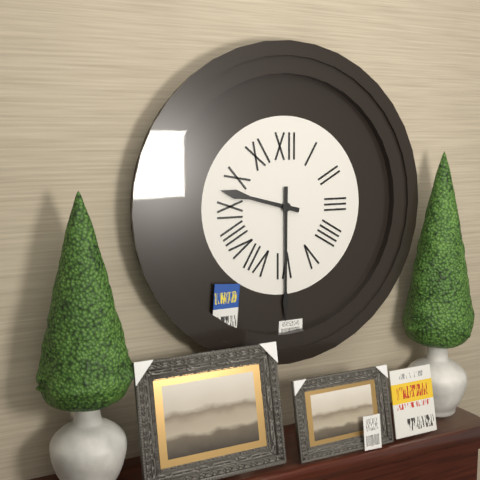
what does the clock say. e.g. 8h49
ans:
9h30
